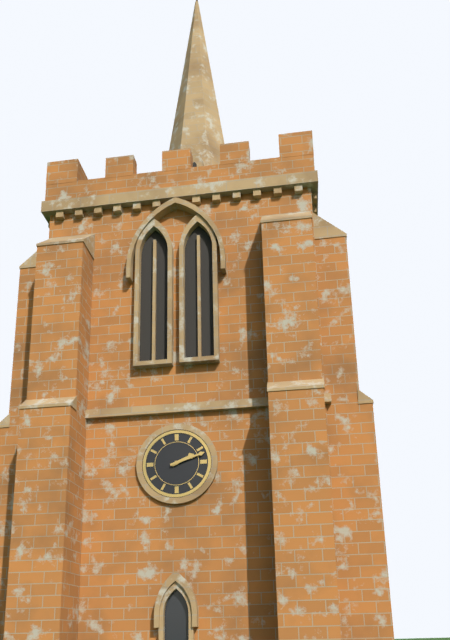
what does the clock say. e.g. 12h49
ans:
2h12
